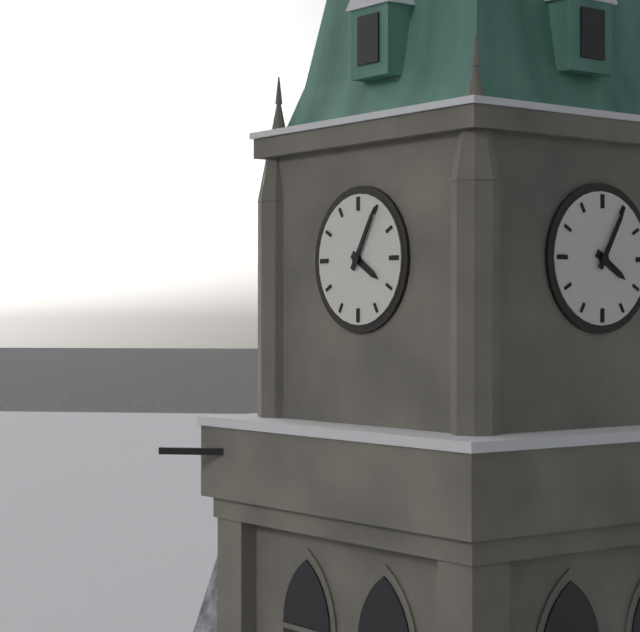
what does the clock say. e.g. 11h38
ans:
4h05
